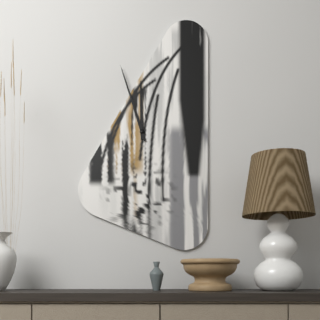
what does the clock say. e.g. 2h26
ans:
11h57
